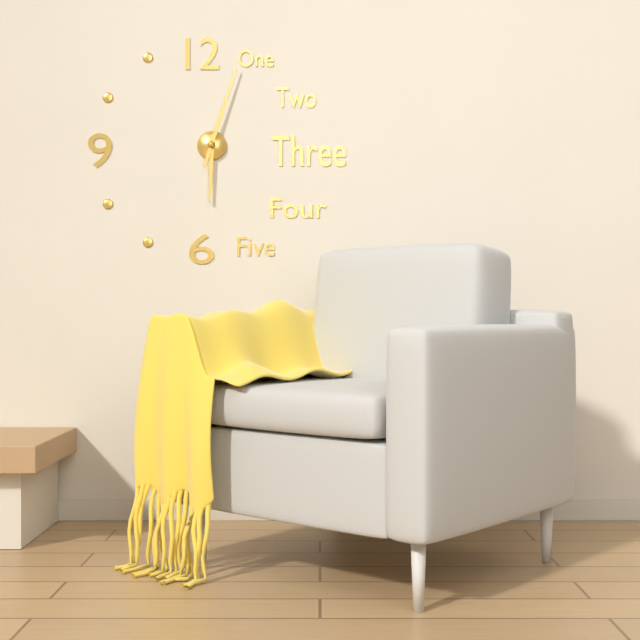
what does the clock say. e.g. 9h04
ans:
6h03
